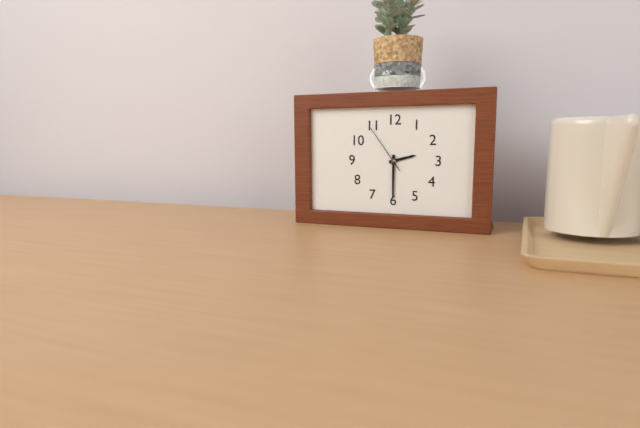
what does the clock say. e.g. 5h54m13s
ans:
2h30m54s
